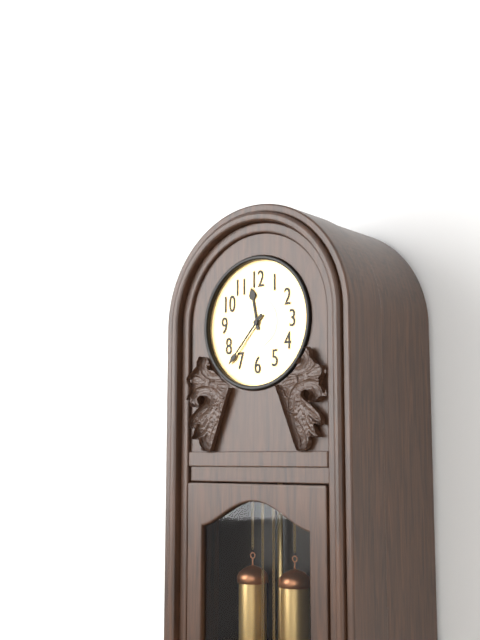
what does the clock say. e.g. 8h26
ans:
11h37
